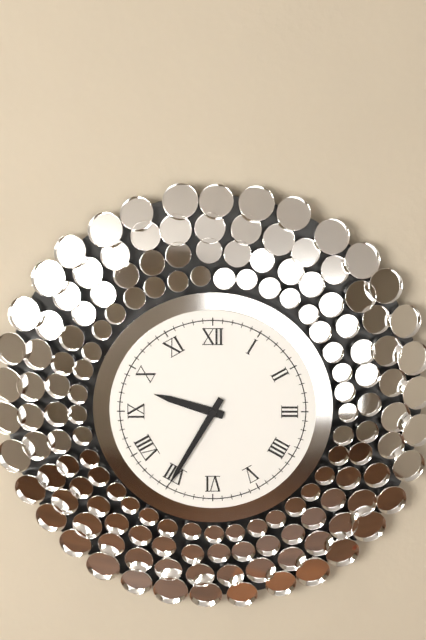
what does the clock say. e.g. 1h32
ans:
9h35
